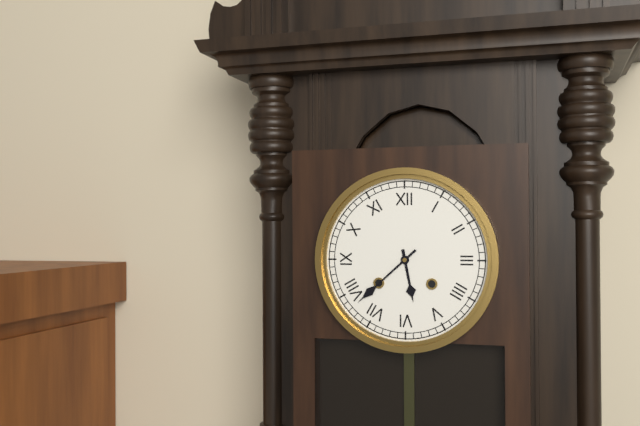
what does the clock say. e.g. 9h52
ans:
5h38
